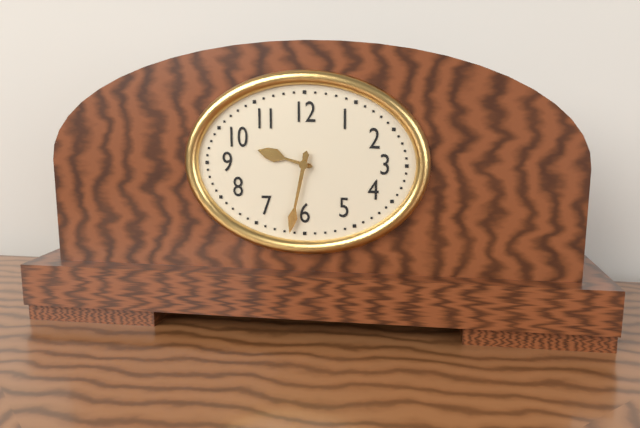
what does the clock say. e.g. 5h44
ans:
9h32
